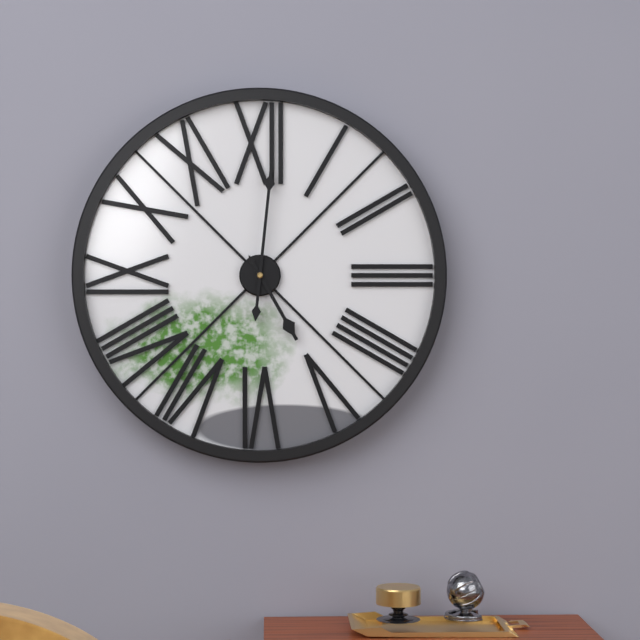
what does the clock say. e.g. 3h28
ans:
5h01
